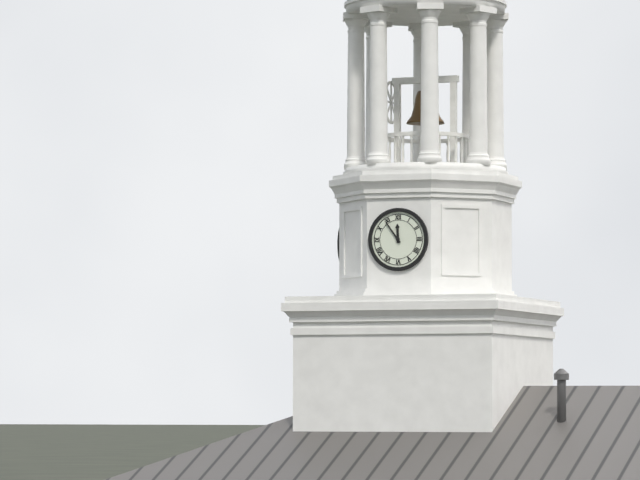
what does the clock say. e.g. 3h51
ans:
11h54
